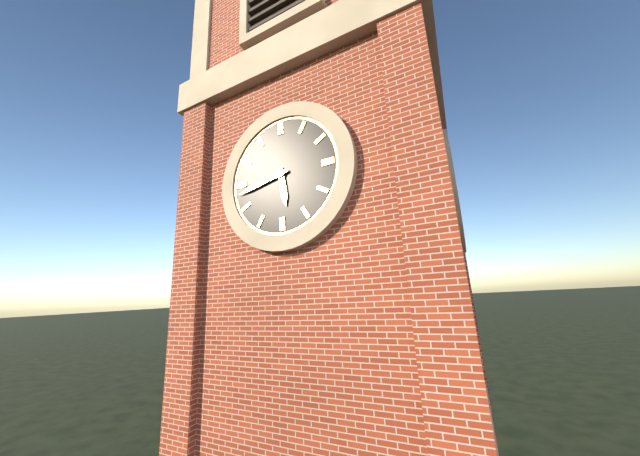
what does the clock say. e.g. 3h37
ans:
5h43
